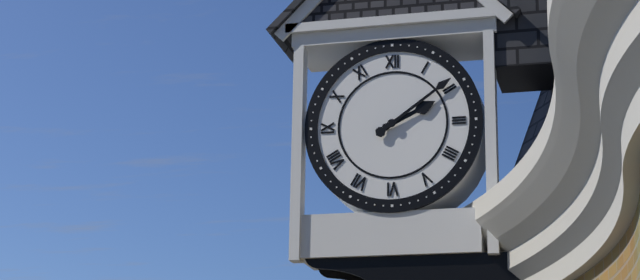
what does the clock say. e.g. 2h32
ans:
2h09
